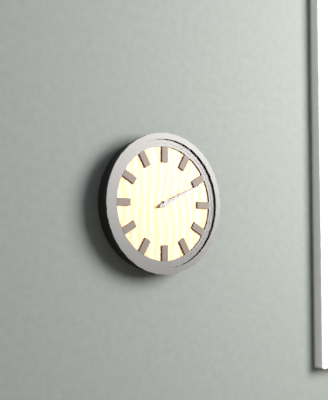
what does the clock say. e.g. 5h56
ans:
2h11
